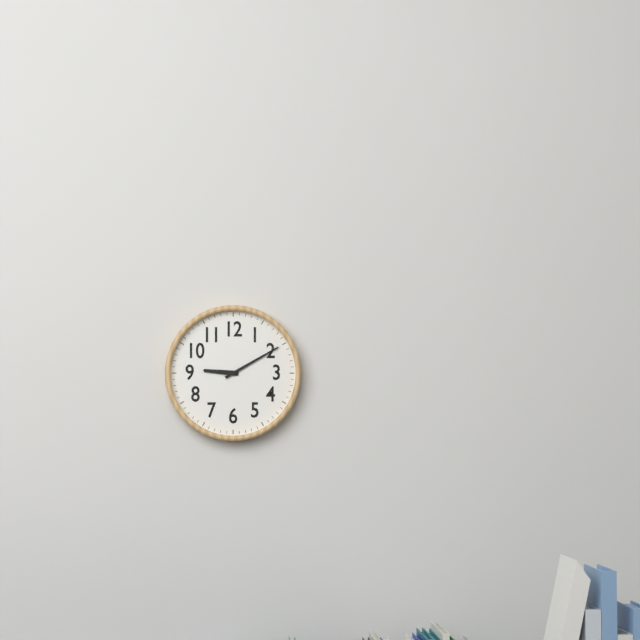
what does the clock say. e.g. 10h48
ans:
9h10
